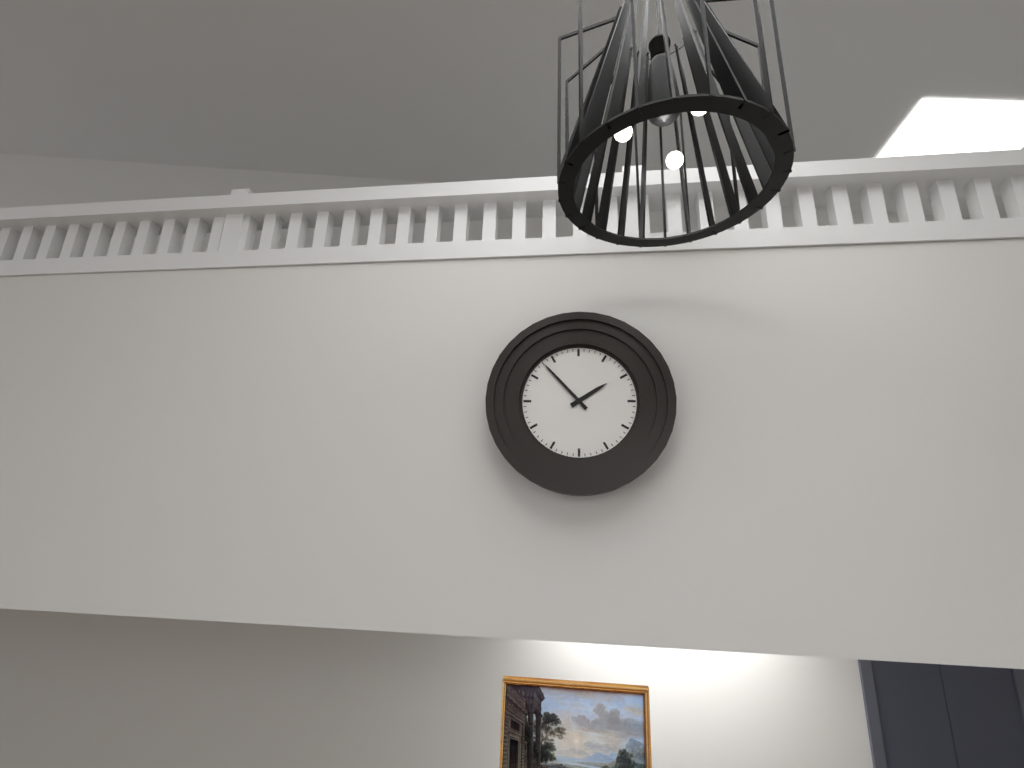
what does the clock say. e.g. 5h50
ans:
1h53
